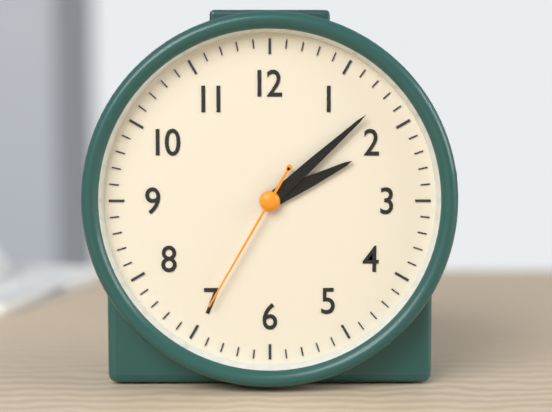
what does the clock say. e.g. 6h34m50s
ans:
2h08m35s
